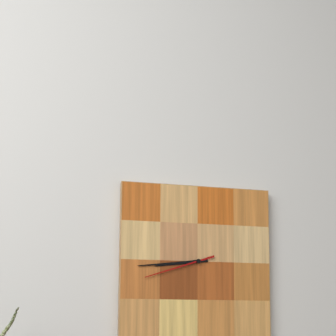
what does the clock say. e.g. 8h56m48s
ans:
8h44m42s
